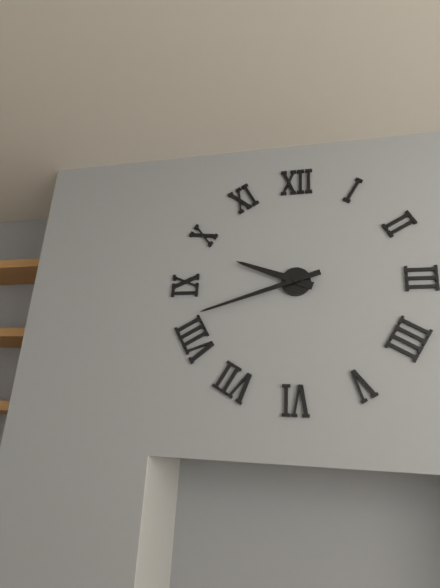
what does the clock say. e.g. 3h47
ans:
9h42
